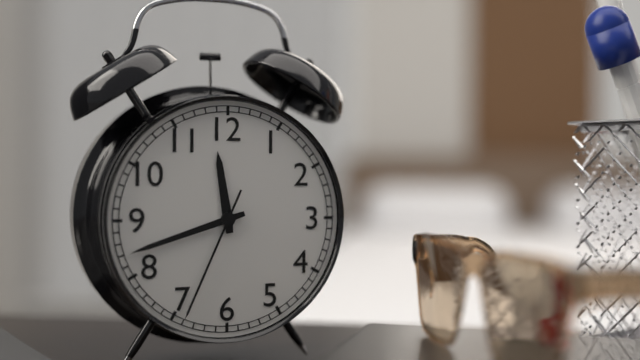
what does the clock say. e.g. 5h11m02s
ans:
11h42m34s
